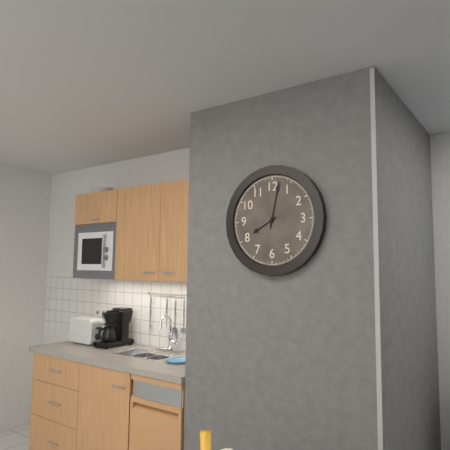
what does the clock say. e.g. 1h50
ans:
8h02
